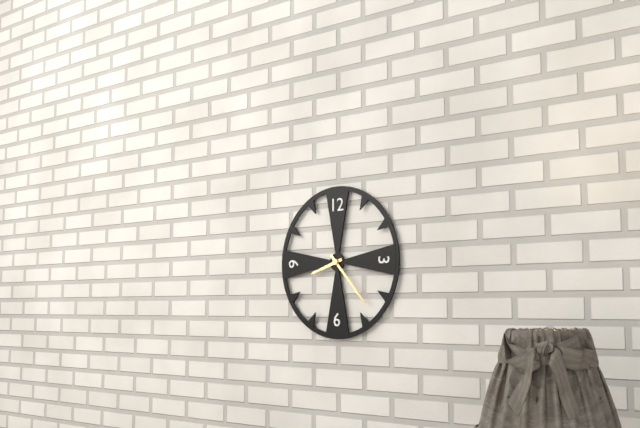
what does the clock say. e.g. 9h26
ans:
8h23
